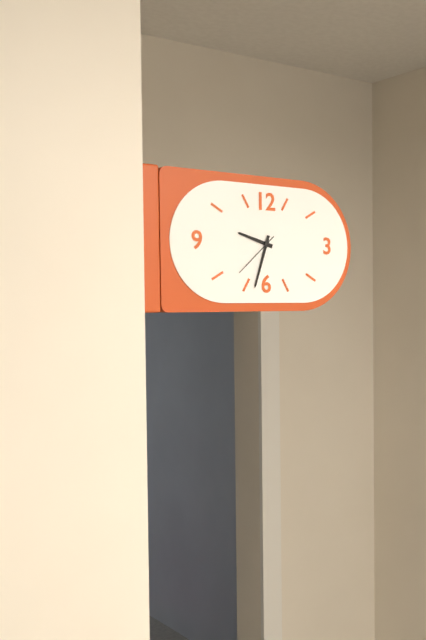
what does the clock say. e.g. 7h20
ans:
9h33
